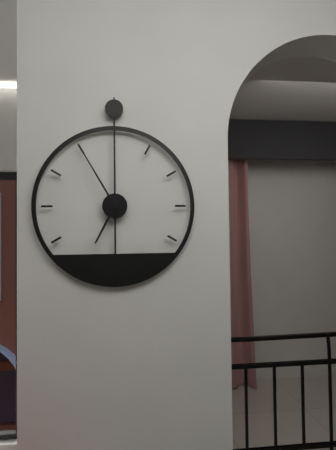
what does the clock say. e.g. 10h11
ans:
6h55
